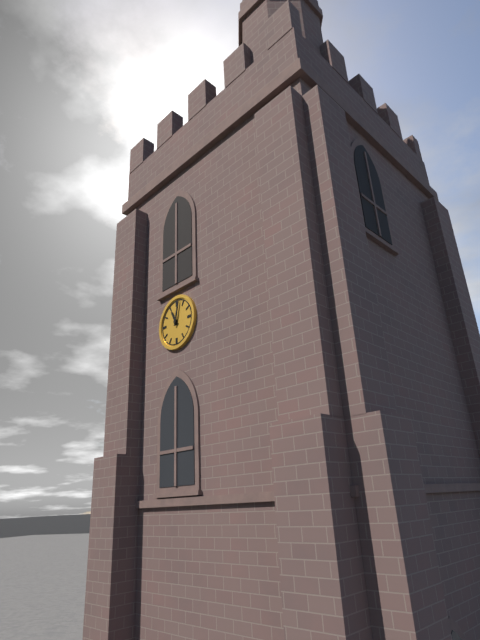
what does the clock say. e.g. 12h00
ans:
11h02
